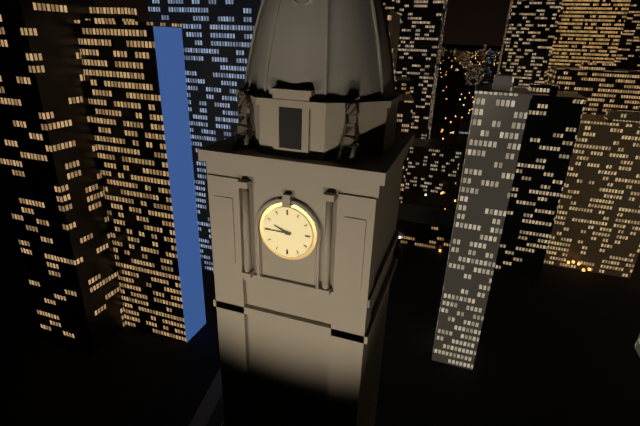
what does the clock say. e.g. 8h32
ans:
9h45
